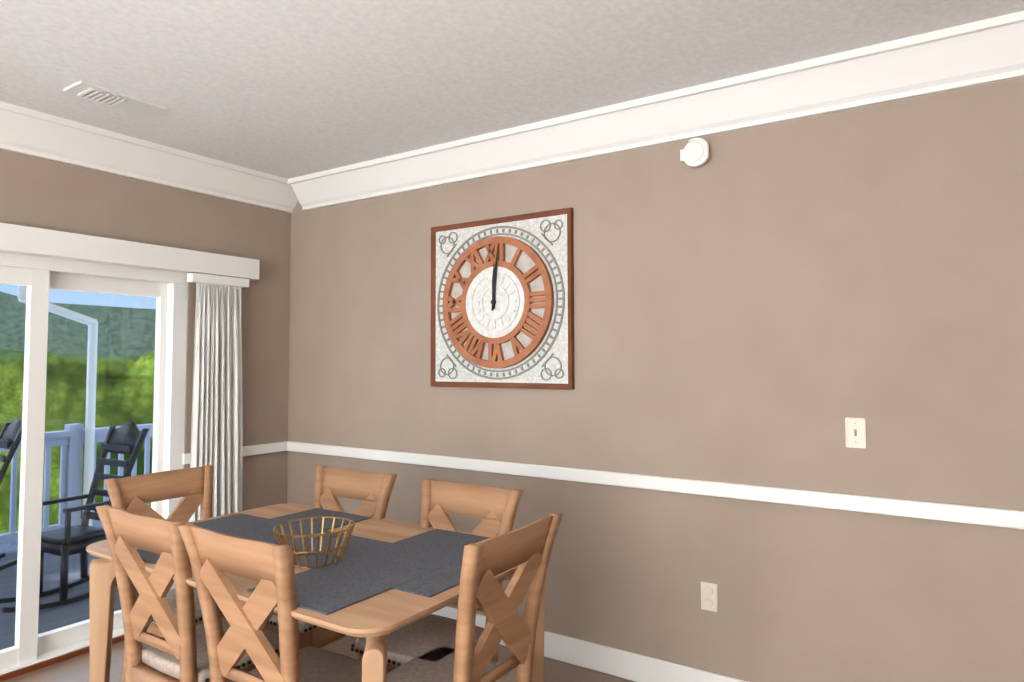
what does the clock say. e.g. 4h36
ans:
12h01
